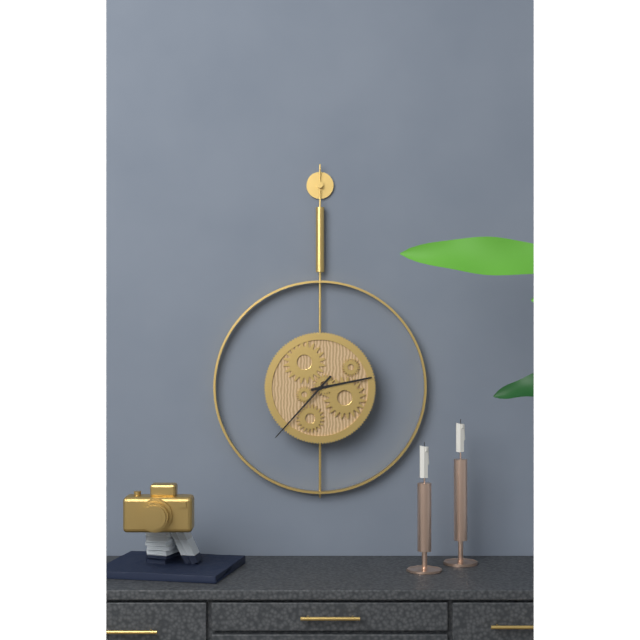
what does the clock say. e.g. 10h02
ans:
2h37
